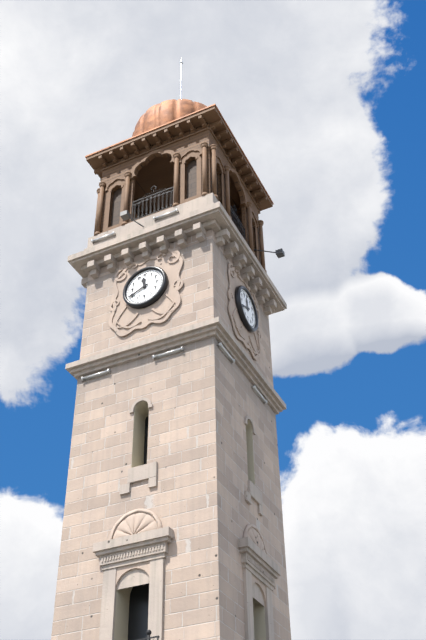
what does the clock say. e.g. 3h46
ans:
11h41
